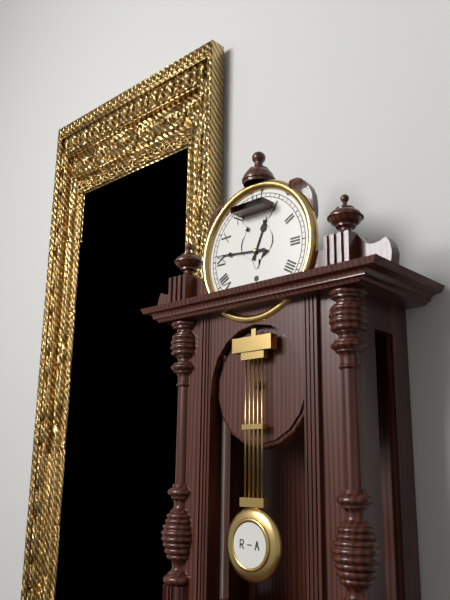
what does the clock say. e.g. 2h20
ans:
12h46
